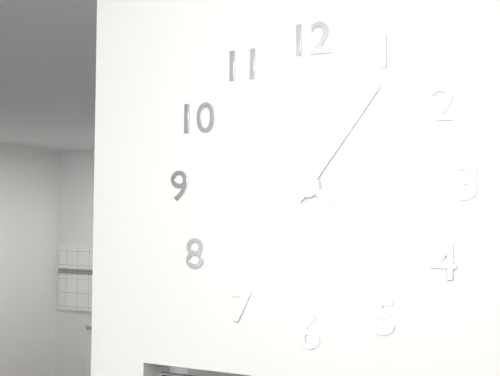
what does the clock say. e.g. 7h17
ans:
4h06
